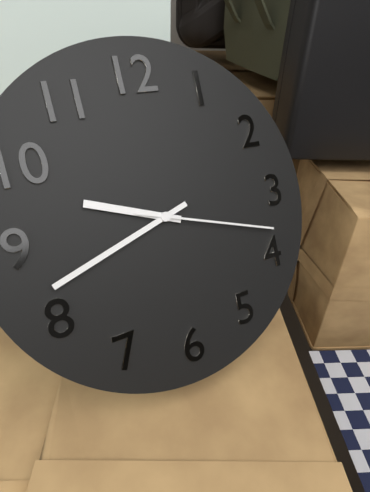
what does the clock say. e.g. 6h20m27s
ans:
9h42m18s
